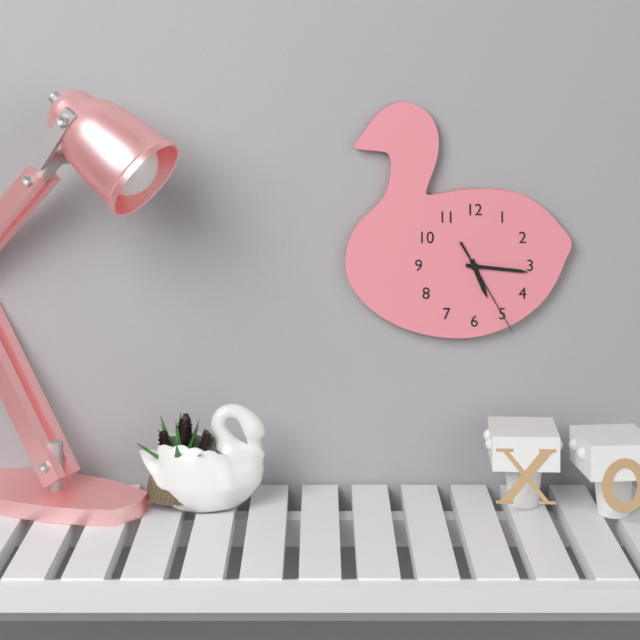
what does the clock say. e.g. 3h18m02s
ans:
5h16m25s
